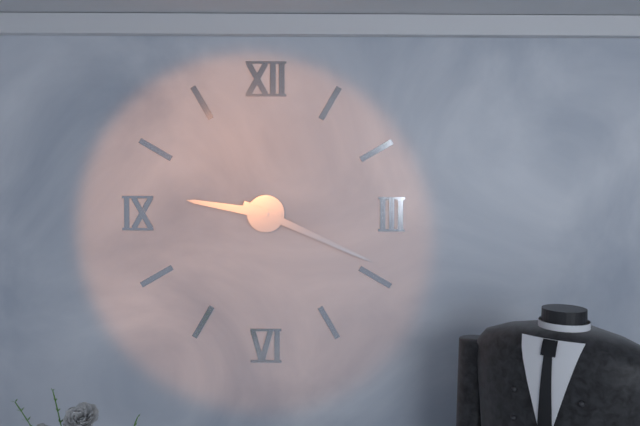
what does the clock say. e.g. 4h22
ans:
9h19
